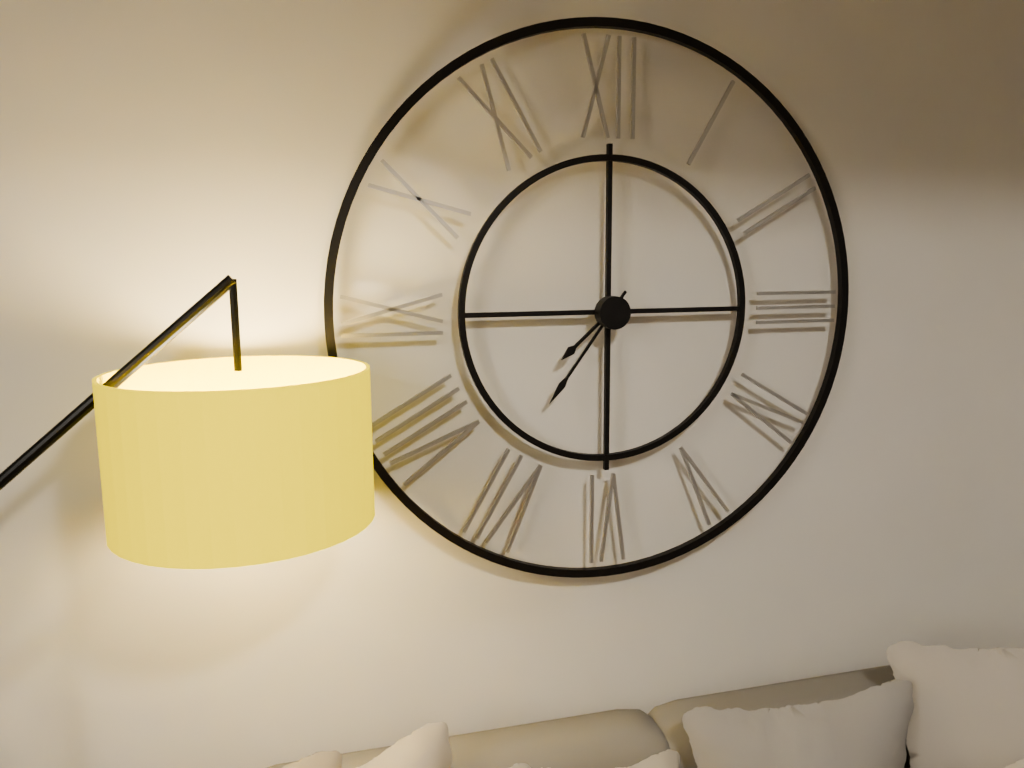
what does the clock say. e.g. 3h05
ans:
7h36
